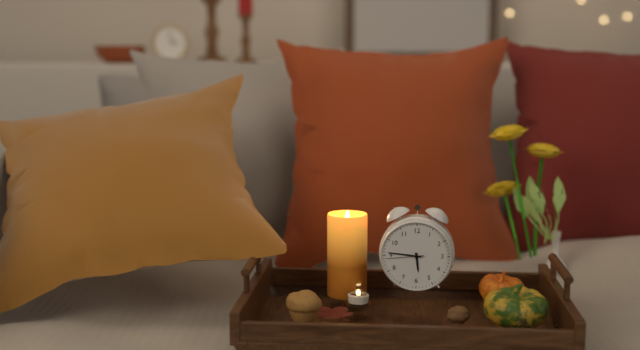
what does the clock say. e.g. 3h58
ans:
5h46
